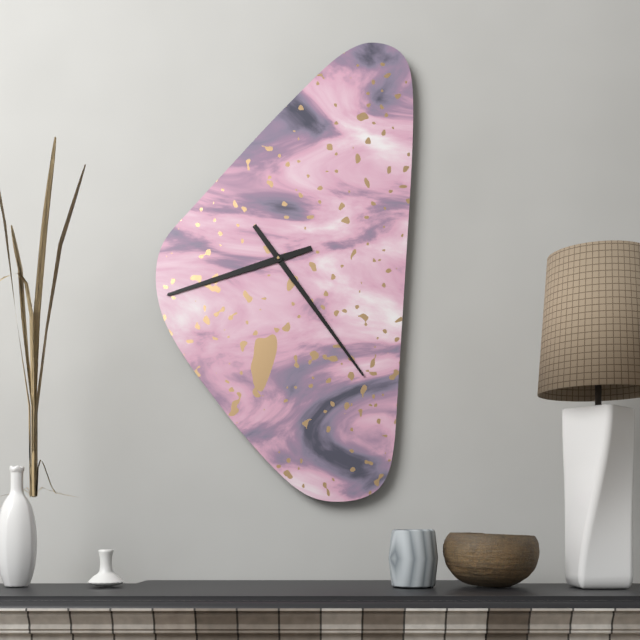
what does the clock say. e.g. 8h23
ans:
8h24
